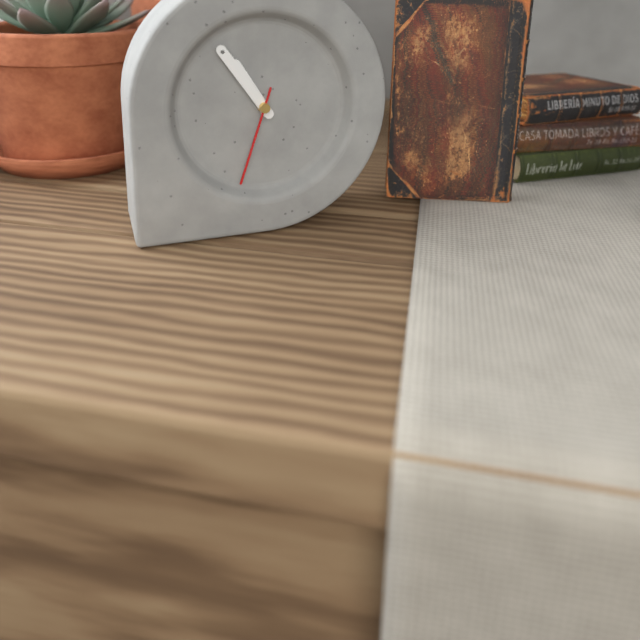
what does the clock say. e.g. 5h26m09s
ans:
10h54m33s
